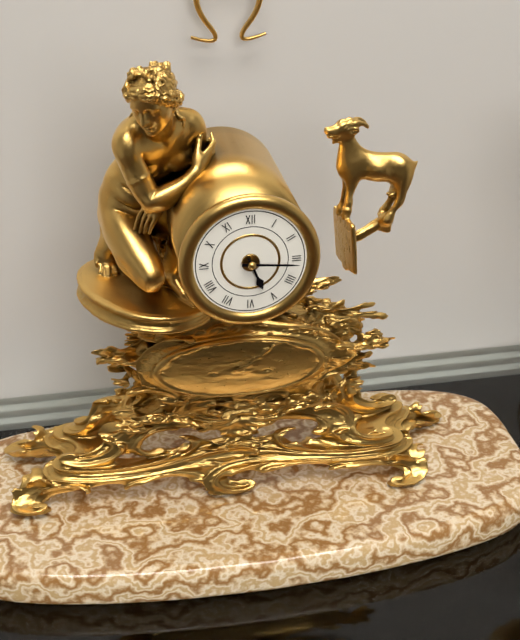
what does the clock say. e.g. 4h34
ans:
5h16
